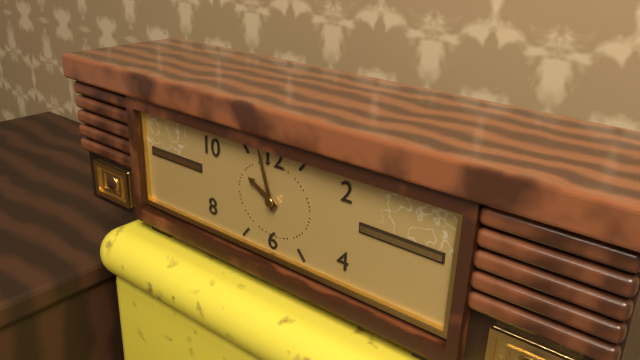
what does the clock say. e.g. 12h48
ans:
9h57
